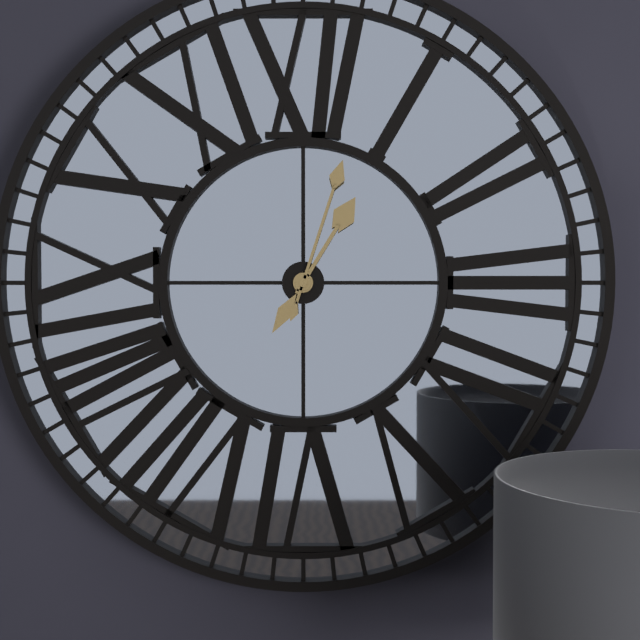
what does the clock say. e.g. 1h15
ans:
1h03
